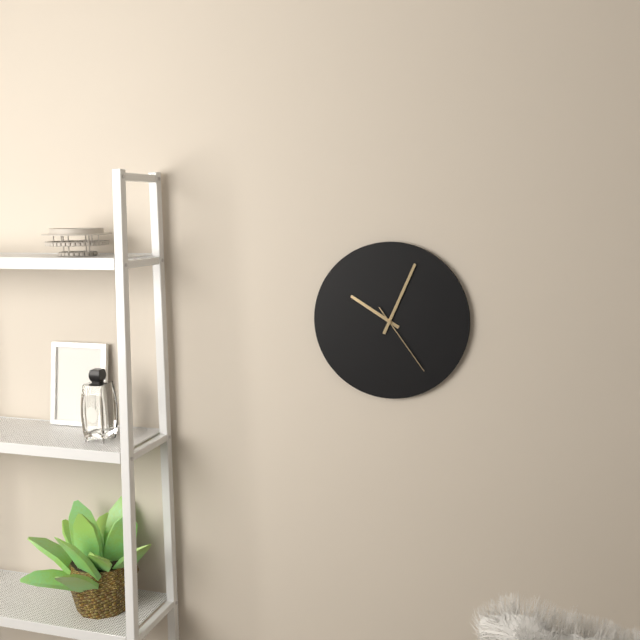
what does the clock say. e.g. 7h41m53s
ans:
10h04m24s
